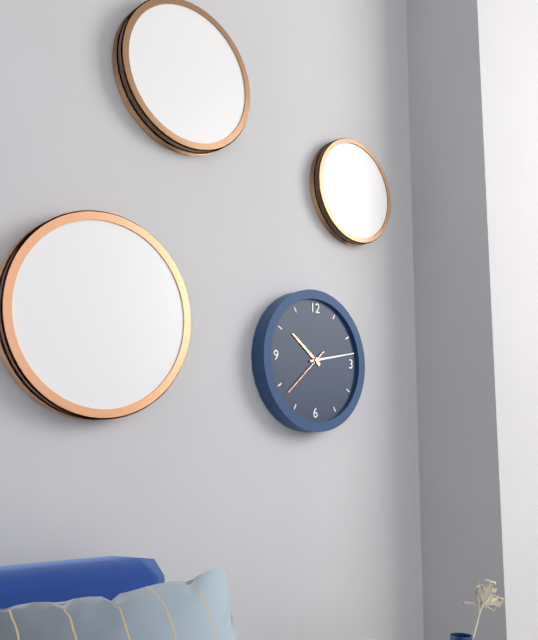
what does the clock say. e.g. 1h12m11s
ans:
10h13m38s
